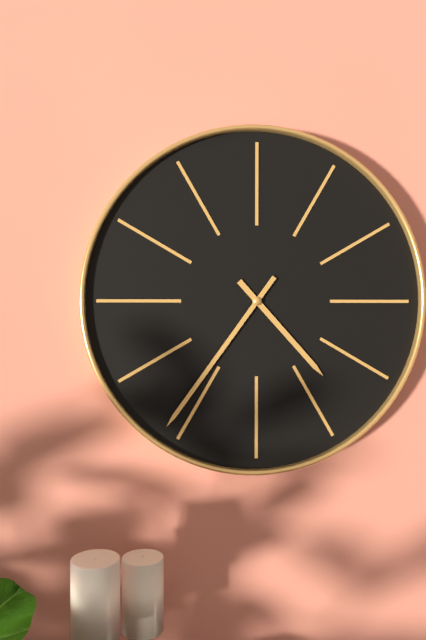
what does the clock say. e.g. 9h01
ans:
4h36
